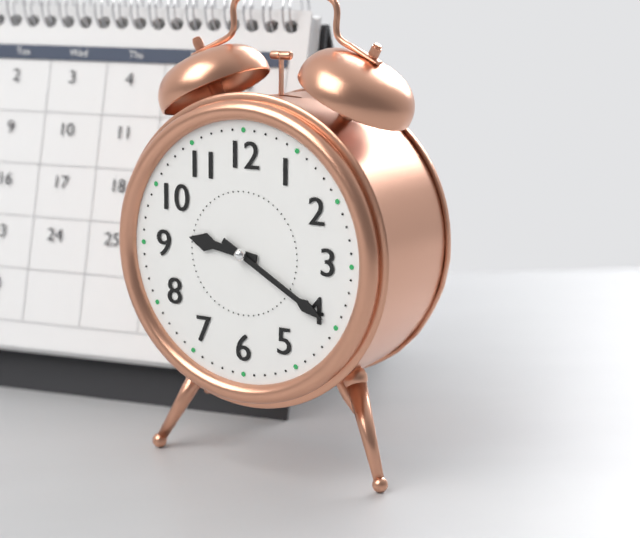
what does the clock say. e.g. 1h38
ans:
9h20
